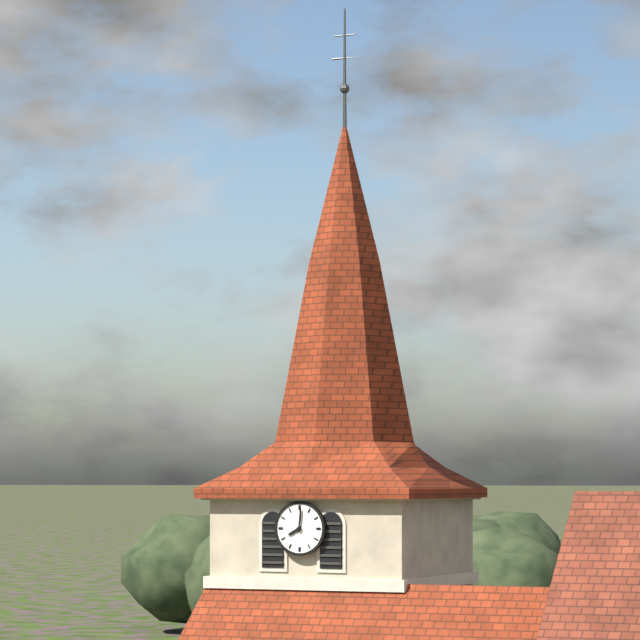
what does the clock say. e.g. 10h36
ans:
8h01
